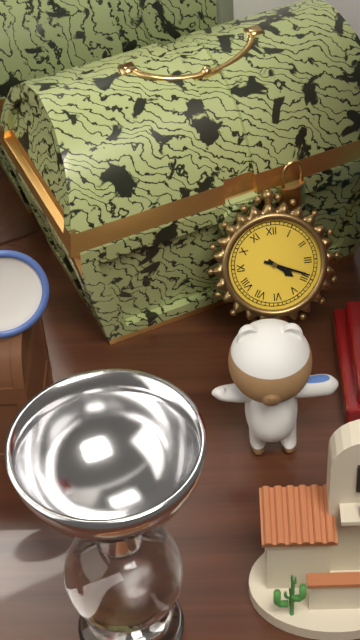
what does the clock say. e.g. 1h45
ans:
4h19
